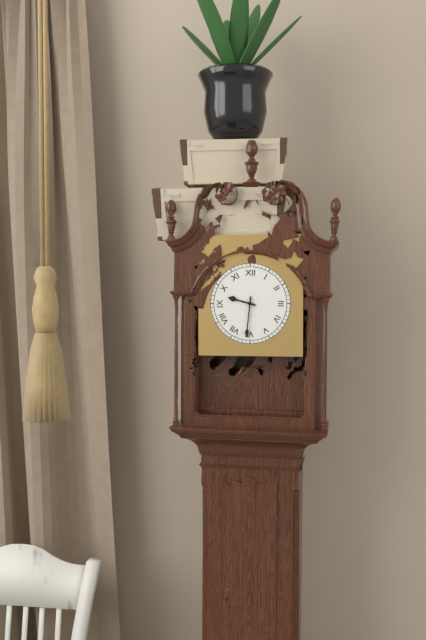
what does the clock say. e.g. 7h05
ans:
9h31
